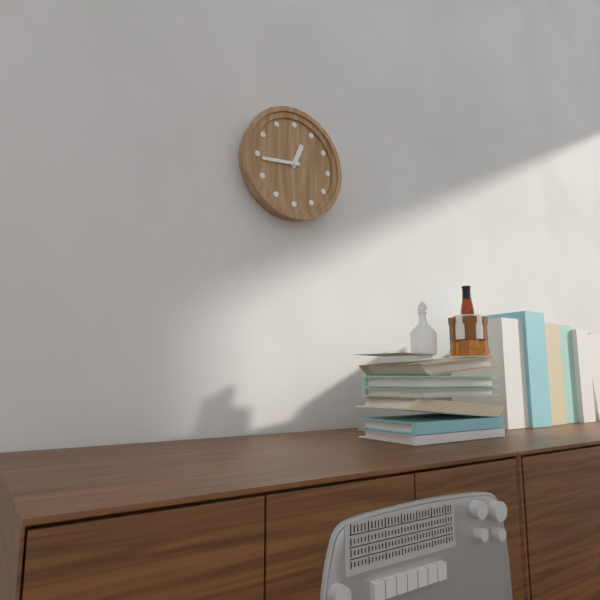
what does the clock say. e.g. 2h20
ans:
12h44
